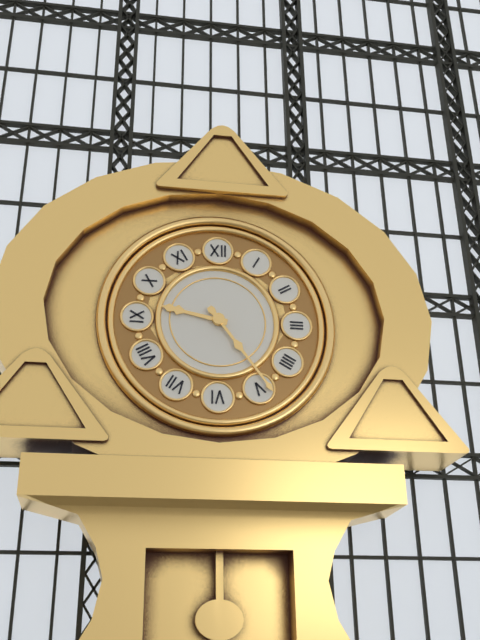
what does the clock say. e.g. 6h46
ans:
9h24
